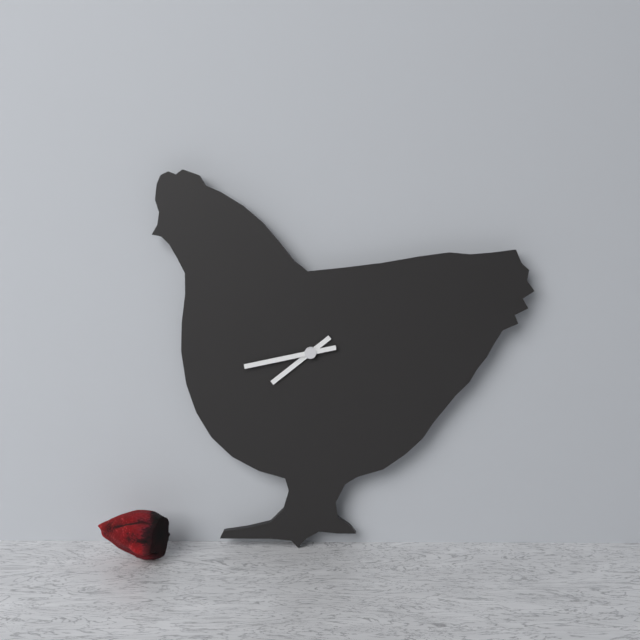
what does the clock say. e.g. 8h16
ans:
7h43
